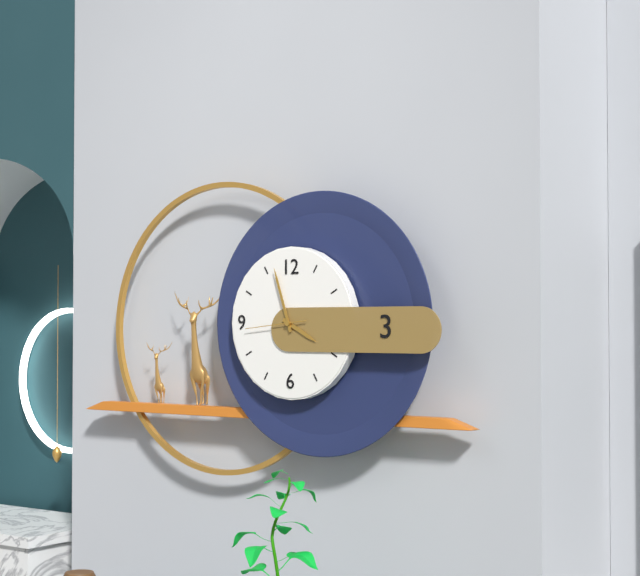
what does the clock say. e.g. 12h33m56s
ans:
3h57m44s
